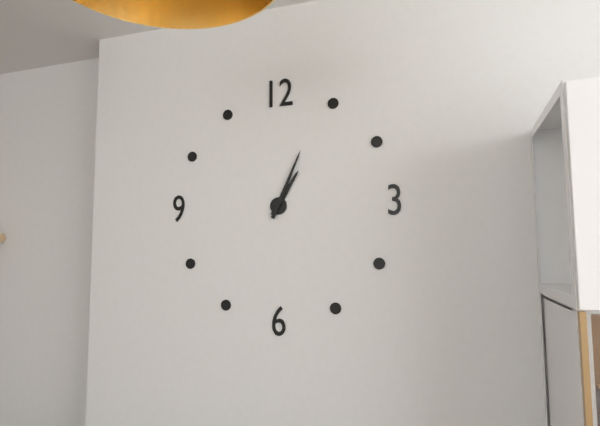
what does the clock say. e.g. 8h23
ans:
1h04
